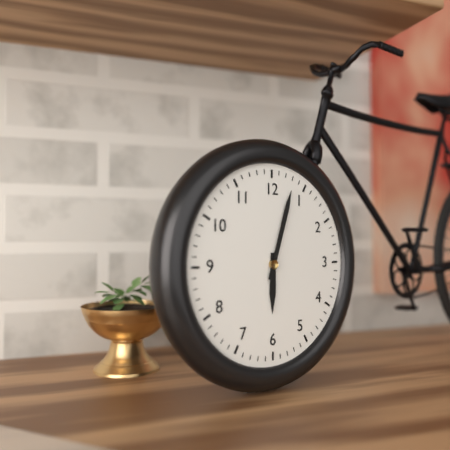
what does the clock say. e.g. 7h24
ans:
6h03
